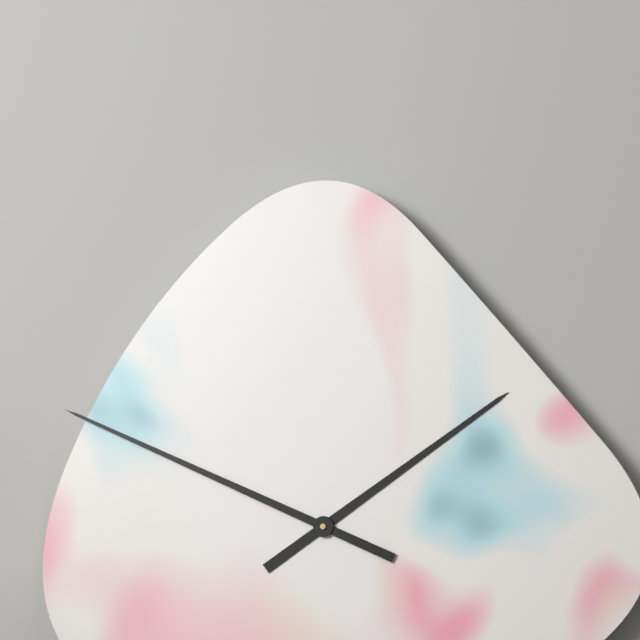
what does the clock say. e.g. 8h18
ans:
1h49
